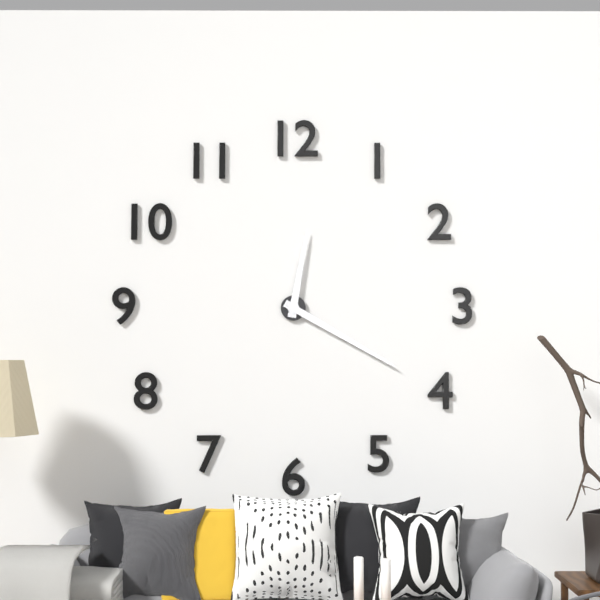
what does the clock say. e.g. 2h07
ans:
12h20
